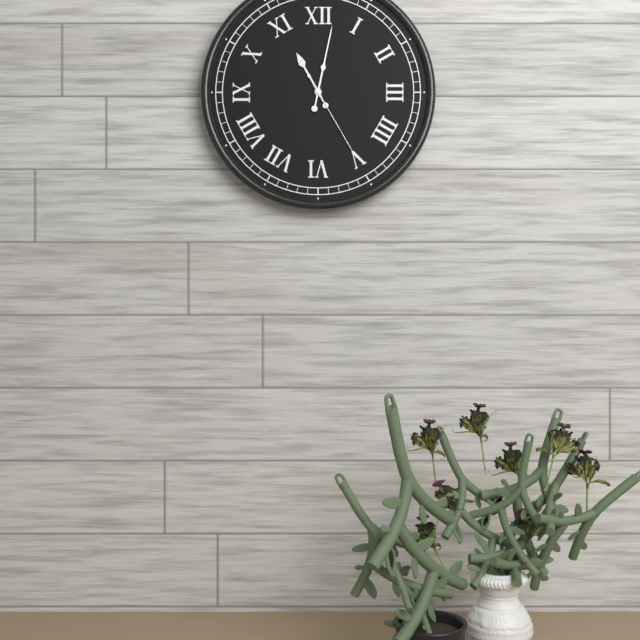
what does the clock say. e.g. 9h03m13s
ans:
11h02m25s
